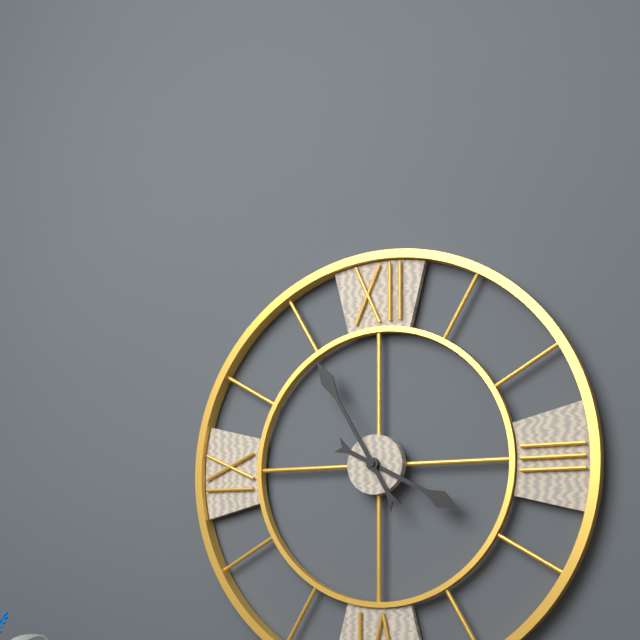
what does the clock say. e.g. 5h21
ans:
3h55
